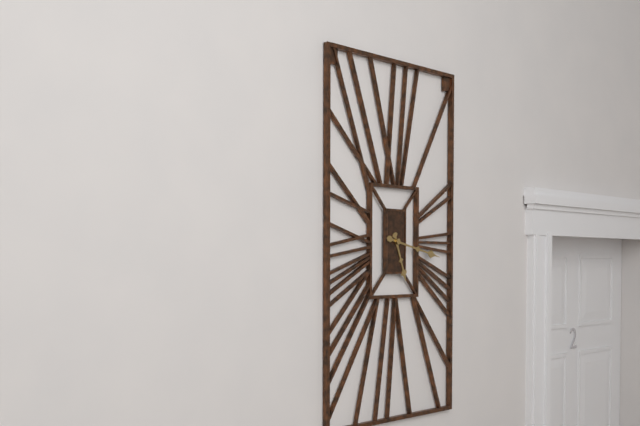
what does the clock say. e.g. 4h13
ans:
5h17
